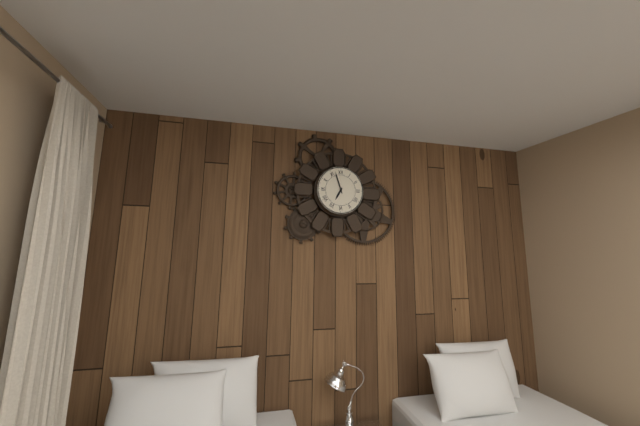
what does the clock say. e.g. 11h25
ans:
6h57
